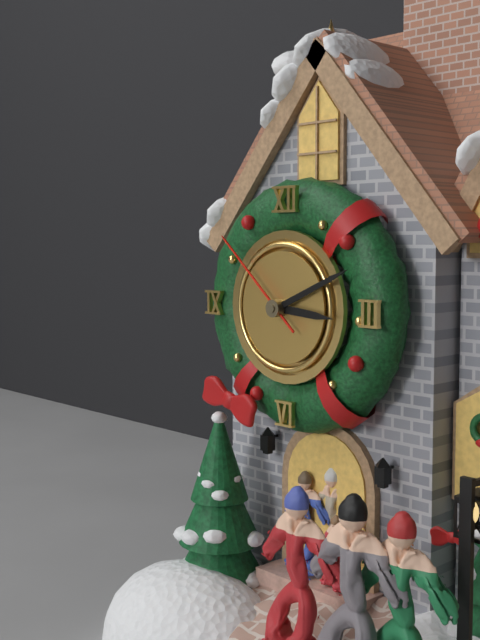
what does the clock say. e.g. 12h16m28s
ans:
3h11m52s
